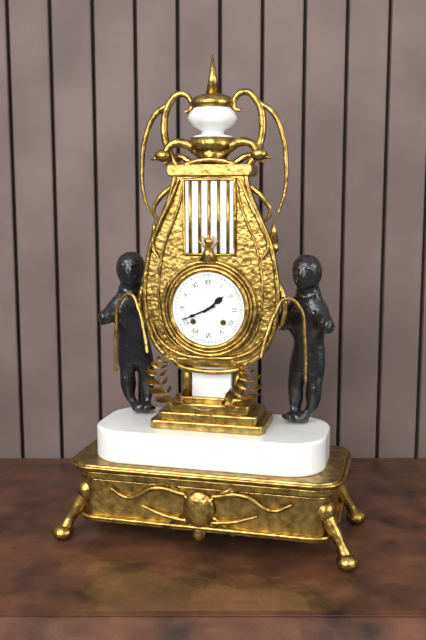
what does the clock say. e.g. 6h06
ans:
1h41
